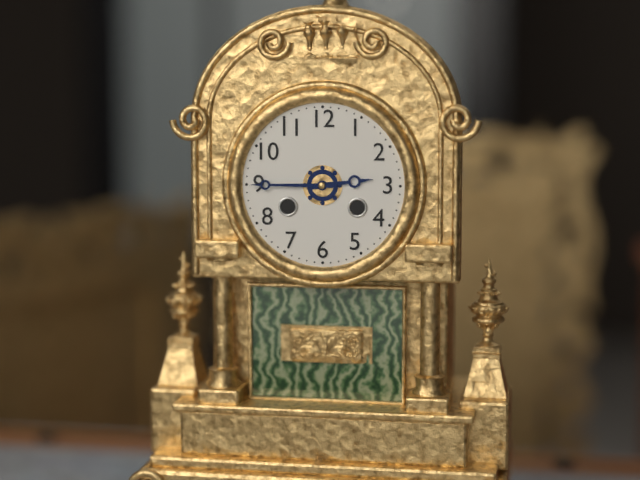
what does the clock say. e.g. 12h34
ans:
2h45
